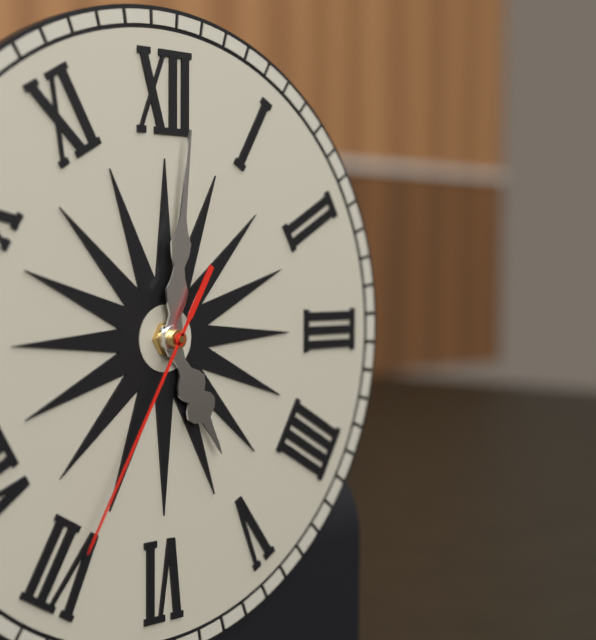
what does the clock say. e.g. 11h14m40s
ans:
5h01m35s
